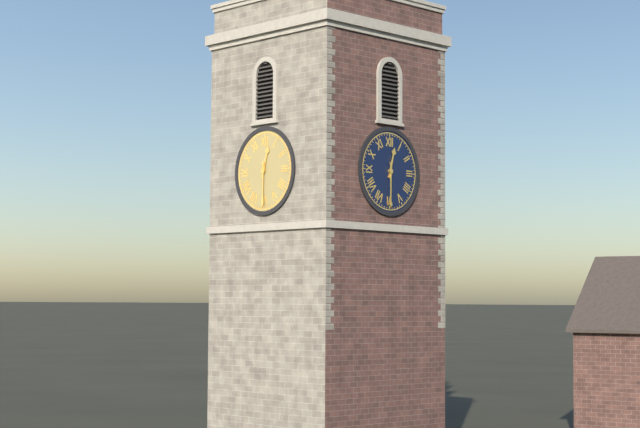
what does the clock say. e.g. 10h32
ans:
12h30
